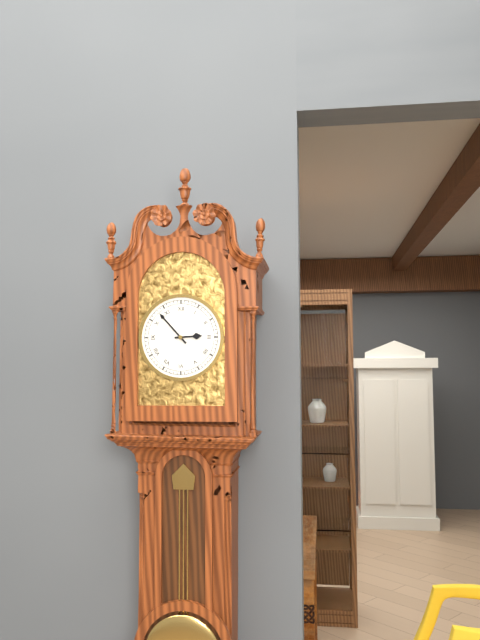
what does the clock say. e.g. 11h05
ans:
2h53
